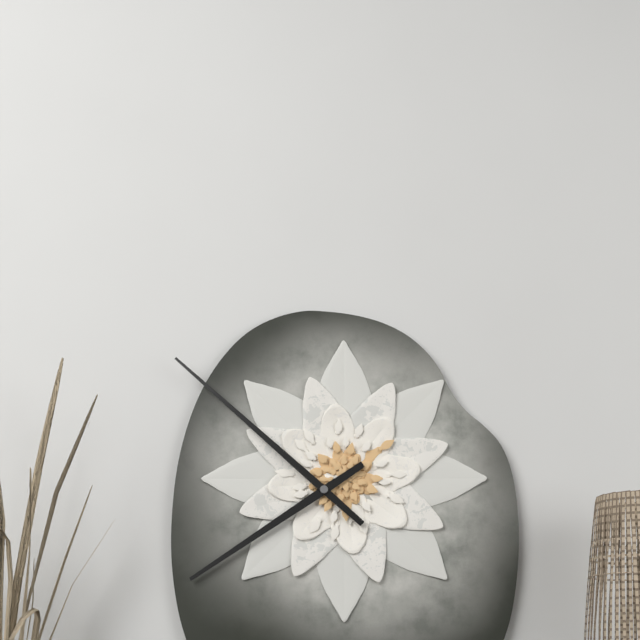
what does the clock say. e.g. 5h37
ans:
7h52
